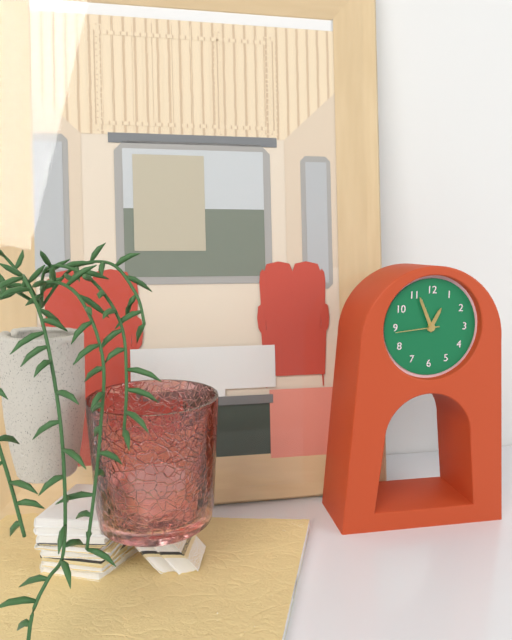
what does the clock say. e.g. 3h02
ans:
12h56
